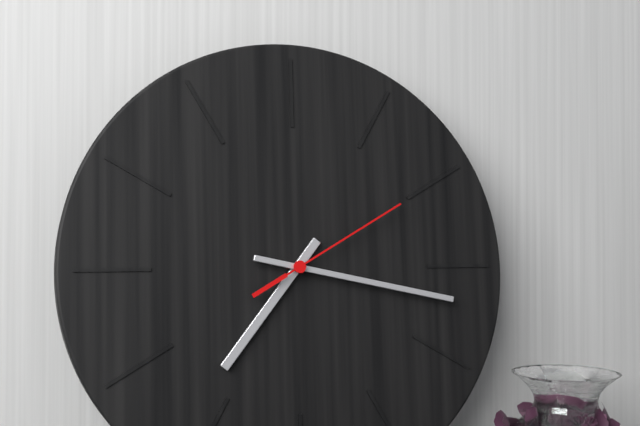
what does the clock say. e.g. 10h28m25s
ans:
7h17m10s
